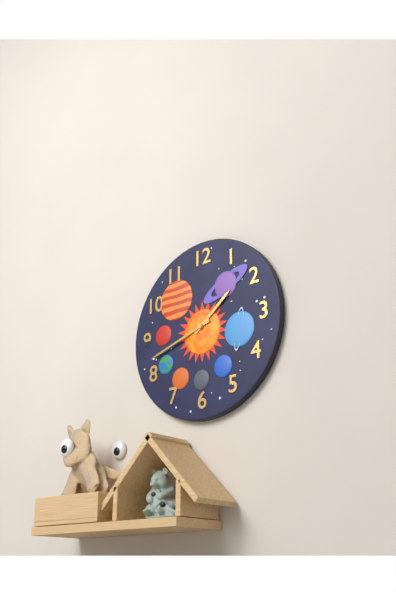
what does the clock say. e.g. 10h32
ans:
1h42
